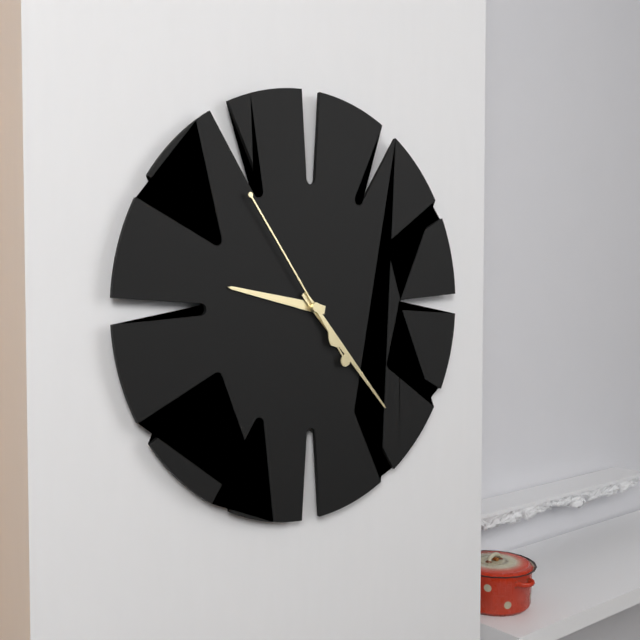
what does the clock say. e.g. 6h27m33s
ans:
9h23m54s
